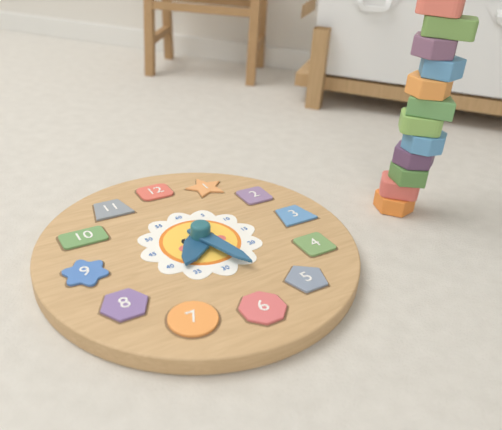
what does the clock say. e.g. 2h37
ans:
7h27
